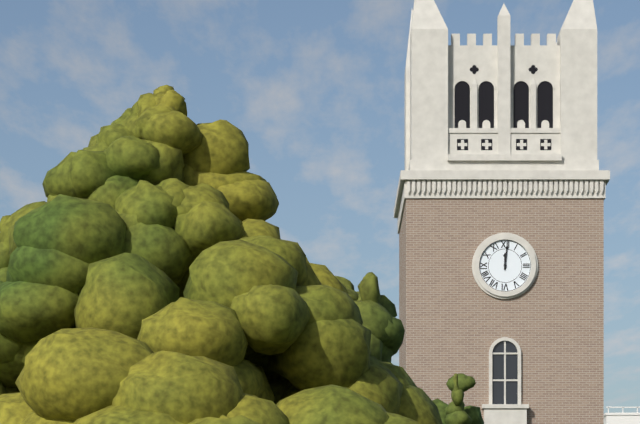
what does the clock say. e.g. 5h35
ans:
12h01
